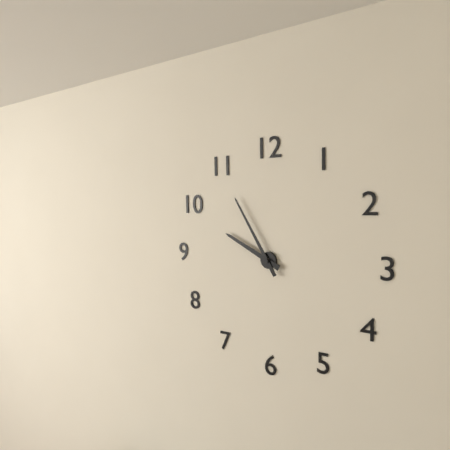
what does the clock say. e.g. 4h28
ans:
9h55
